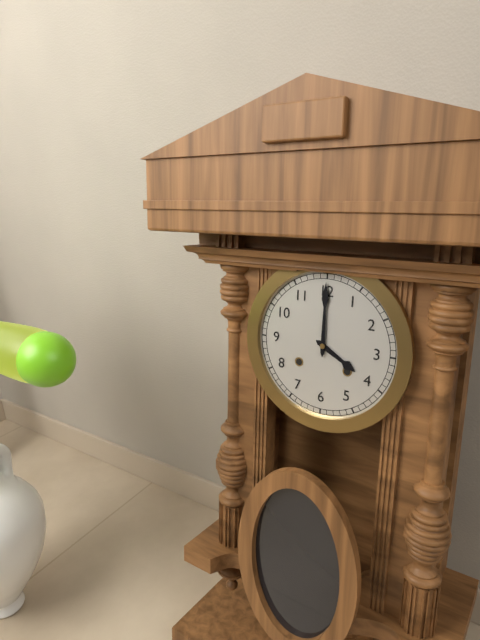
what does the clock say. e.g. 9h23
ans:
4h00
